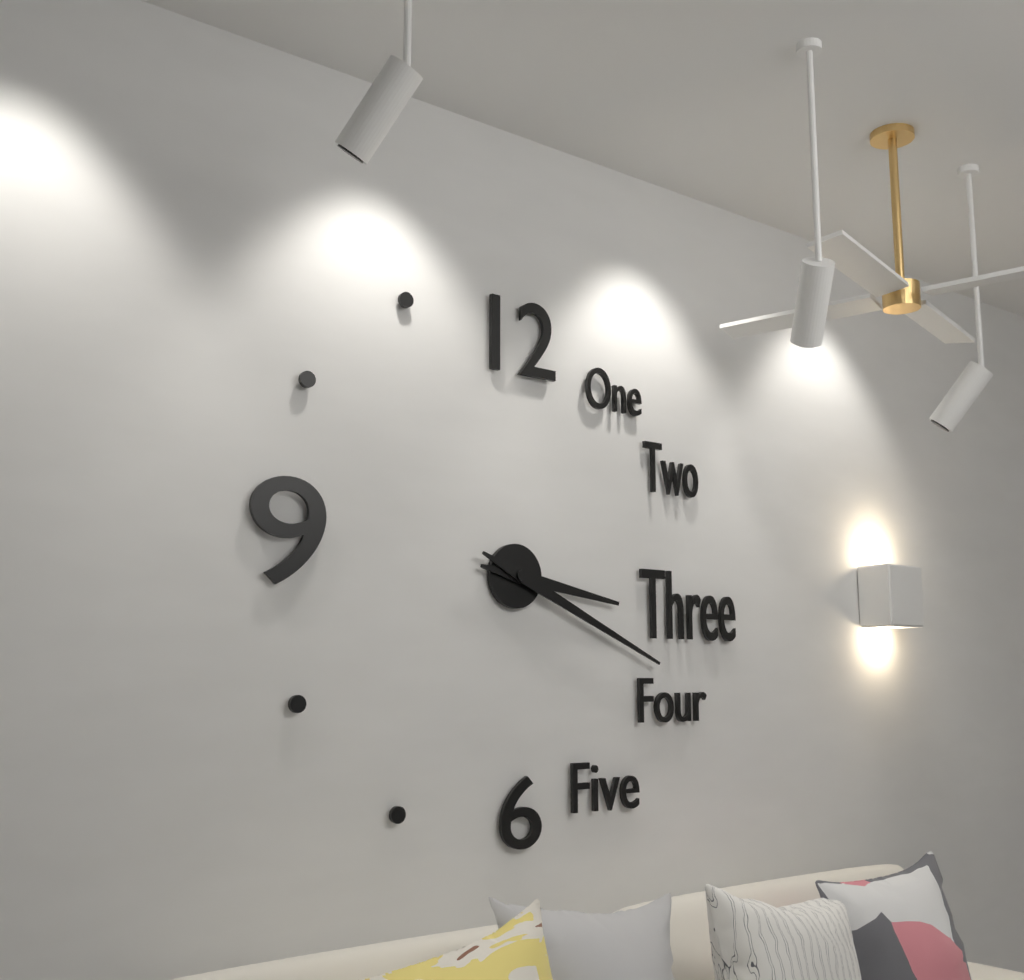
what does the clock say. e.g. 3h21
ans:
3h19
